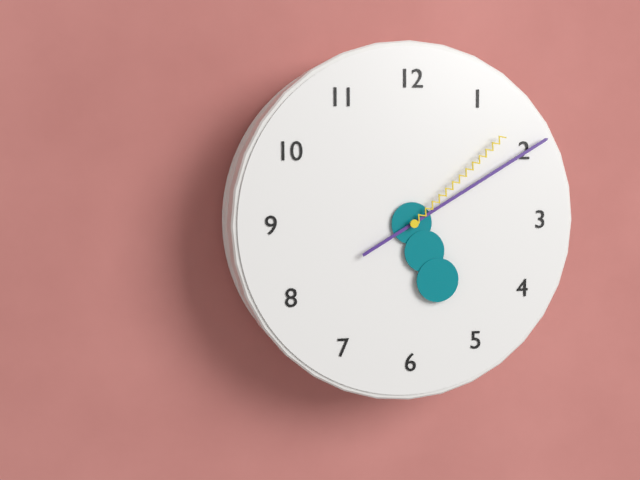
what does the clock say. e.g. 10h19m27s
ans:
5h10m08s
